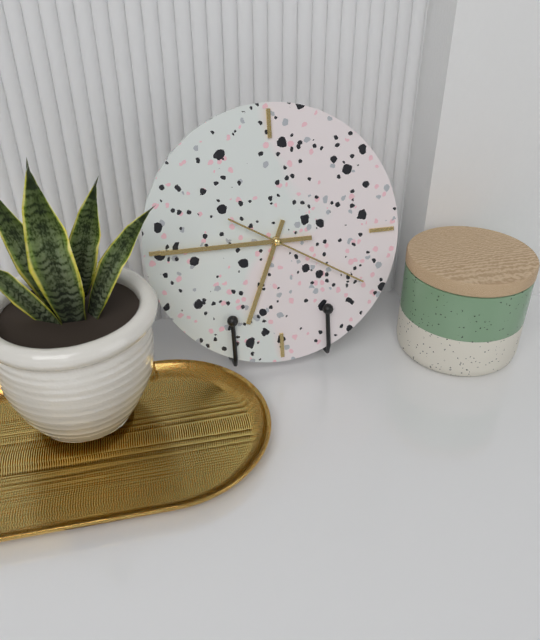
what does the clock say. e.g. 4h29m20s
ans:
6h45m20s
